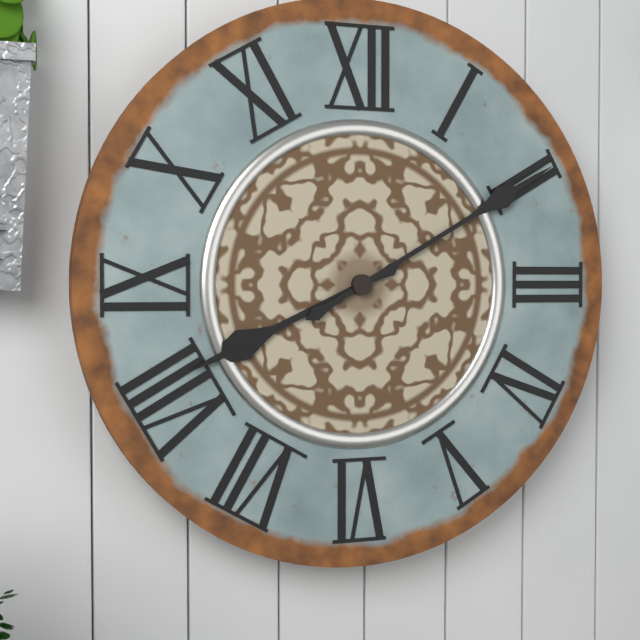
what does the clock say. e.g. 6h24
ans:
8h10
